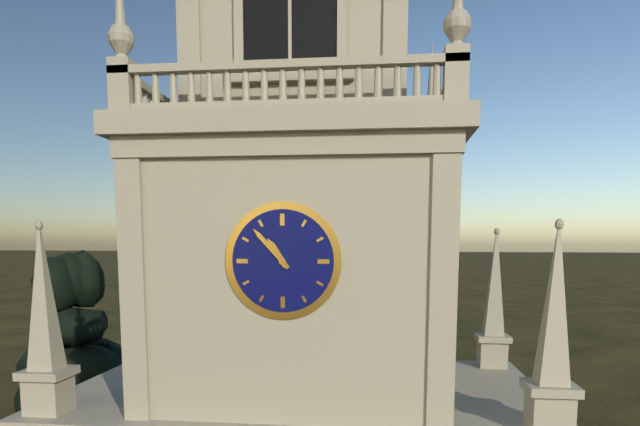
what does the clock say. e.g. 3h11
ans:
10h53
